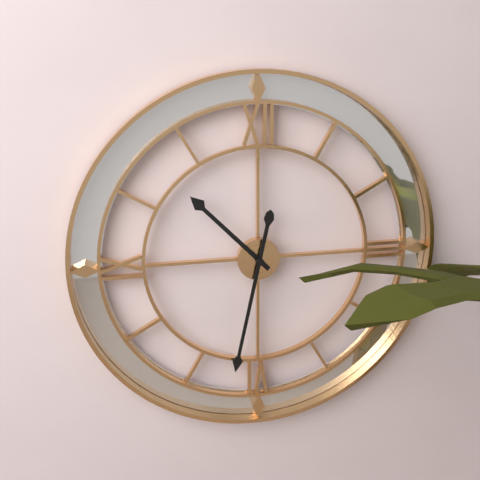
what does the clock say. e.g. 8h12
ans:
10h32
